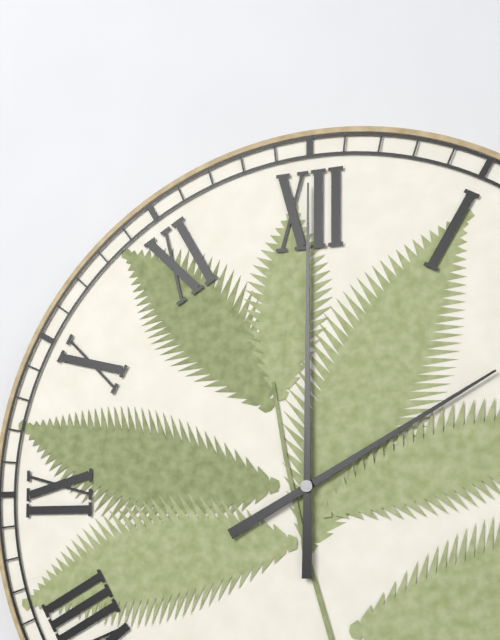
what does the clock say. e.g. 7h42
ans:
2h00
